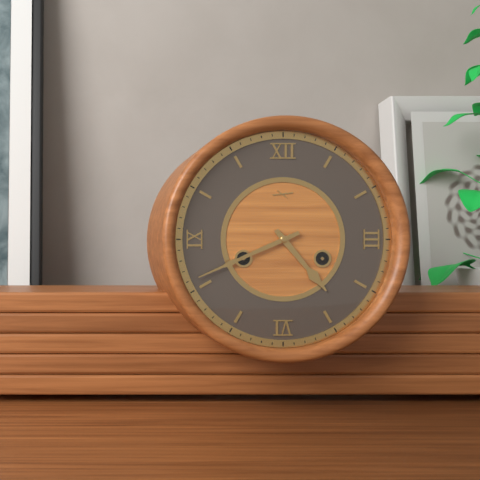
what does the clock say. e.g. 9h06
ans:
4h41
